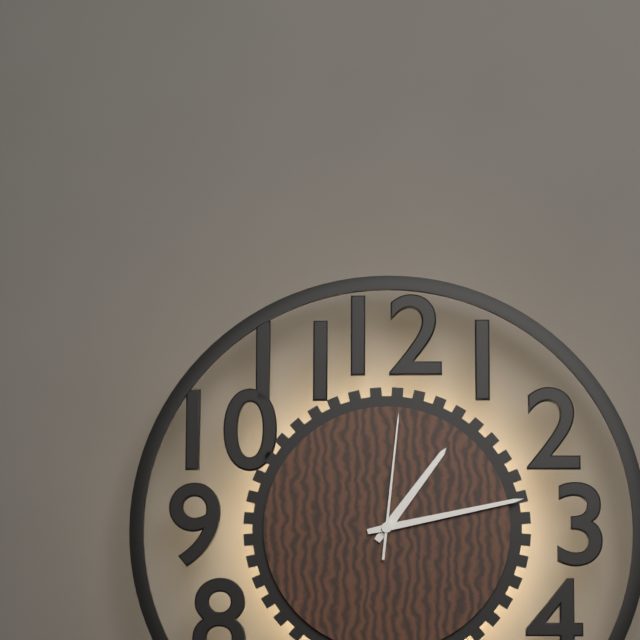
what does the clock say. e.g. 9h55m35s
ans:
1h13m01s
